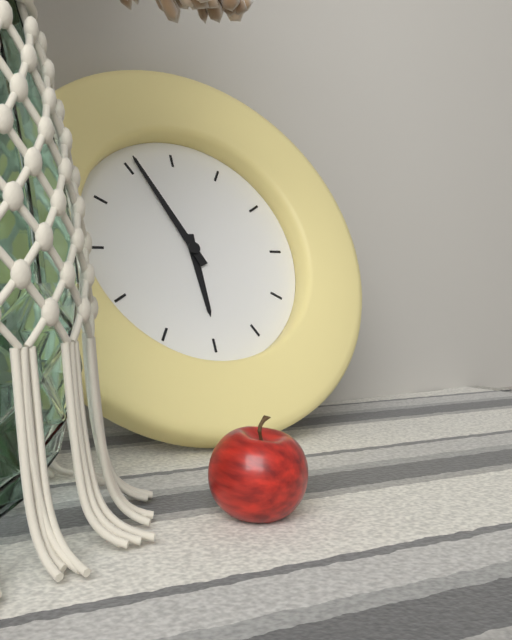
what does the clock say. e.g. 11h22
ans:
5h56
